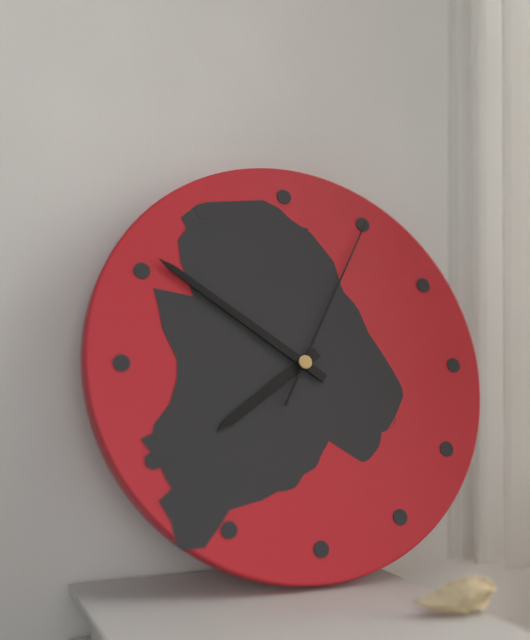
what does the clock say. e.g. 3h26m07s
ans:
7h51m05s
